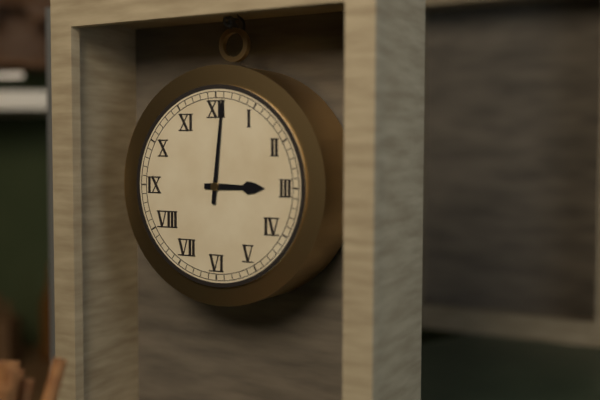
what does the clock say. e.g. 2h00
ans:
3h01
